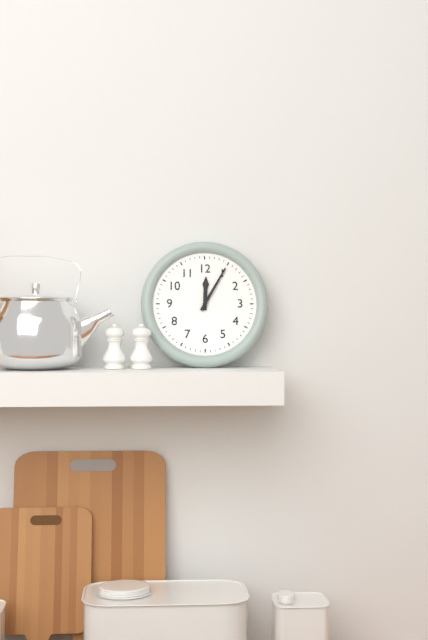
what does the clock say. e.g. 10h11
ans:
12h05
